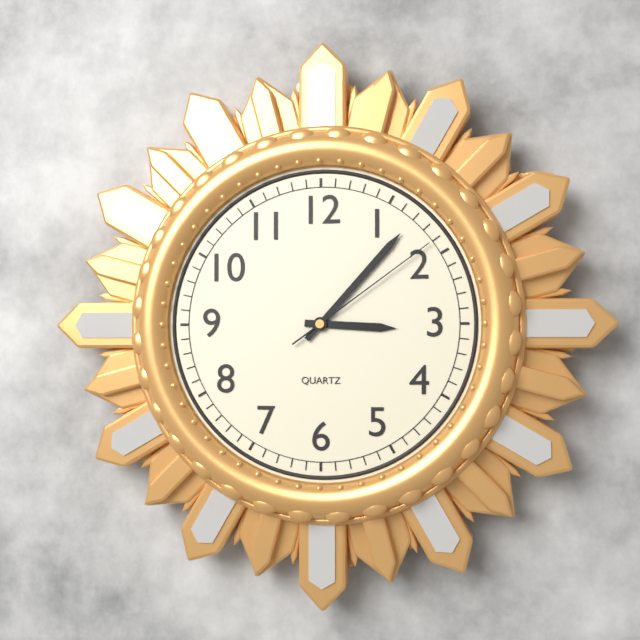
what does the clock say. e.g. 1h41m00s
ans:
3h07m09s
